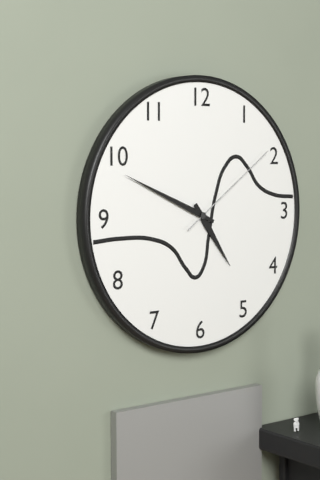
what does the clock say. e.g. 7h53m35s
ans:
4h49m09s
